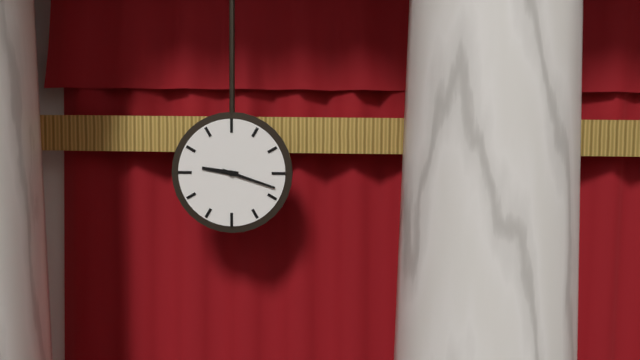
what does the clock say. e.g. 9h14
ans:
9h18
